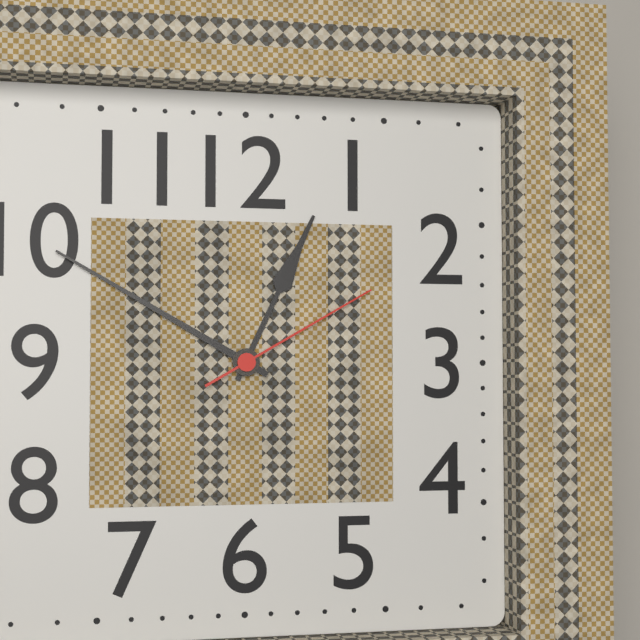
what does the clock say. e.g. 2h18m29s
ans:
12h50m10s
